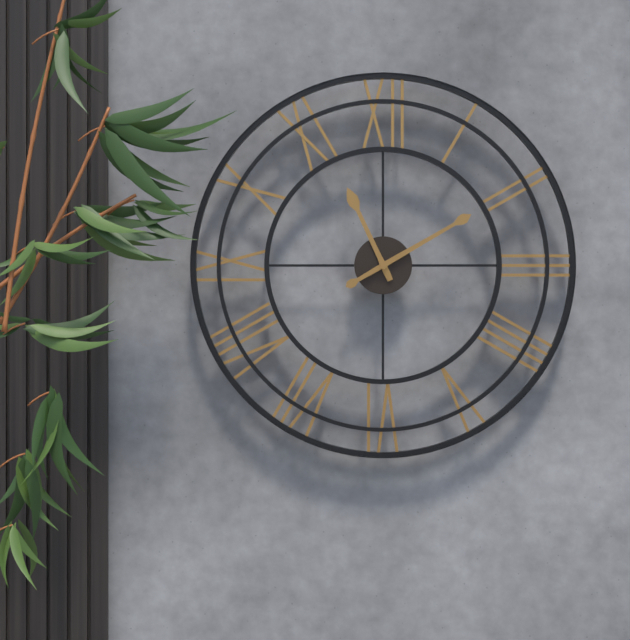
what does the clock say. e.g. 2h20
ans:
11h10
